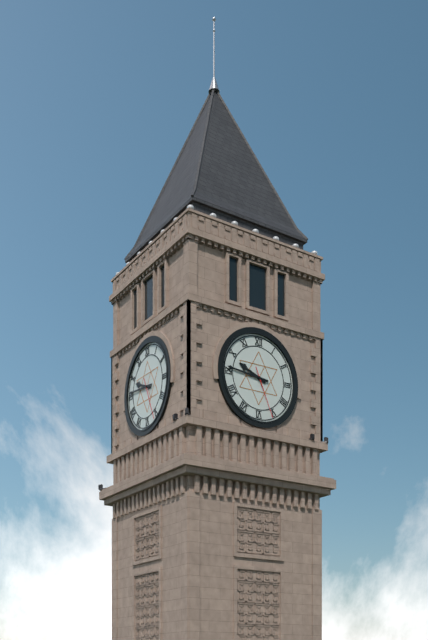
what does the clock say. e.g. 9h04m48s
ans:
9h46m26s
